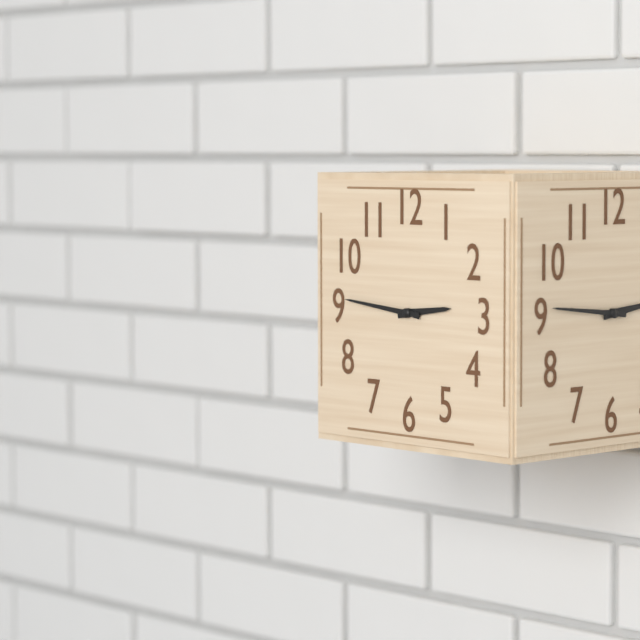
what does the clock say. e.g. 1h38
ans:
2h46
